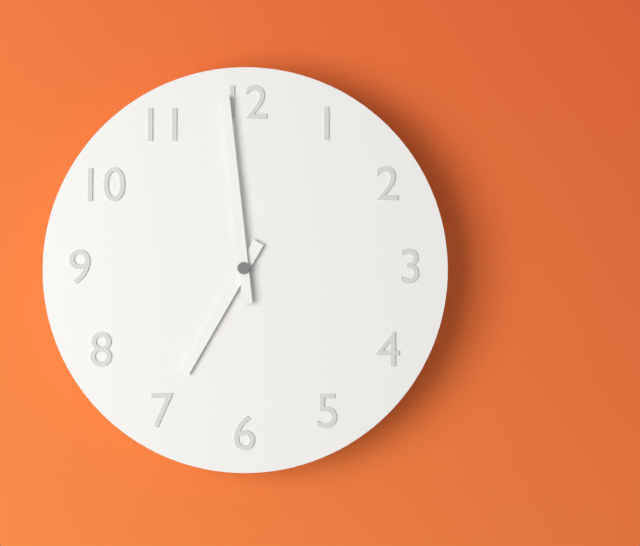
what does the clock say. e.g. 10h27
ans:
6h59
